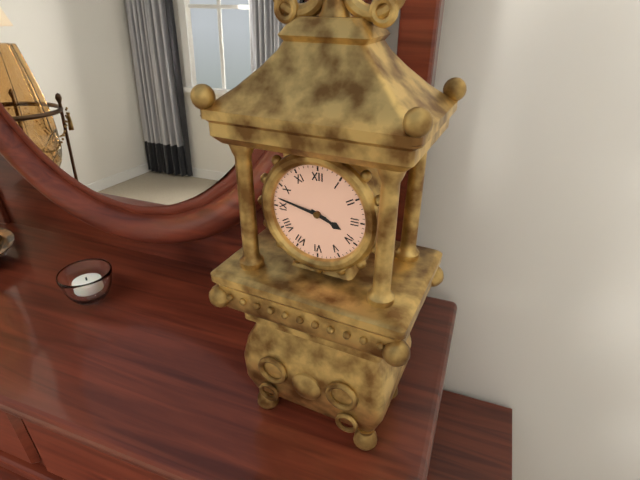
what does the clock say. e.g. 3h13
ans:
3h47
